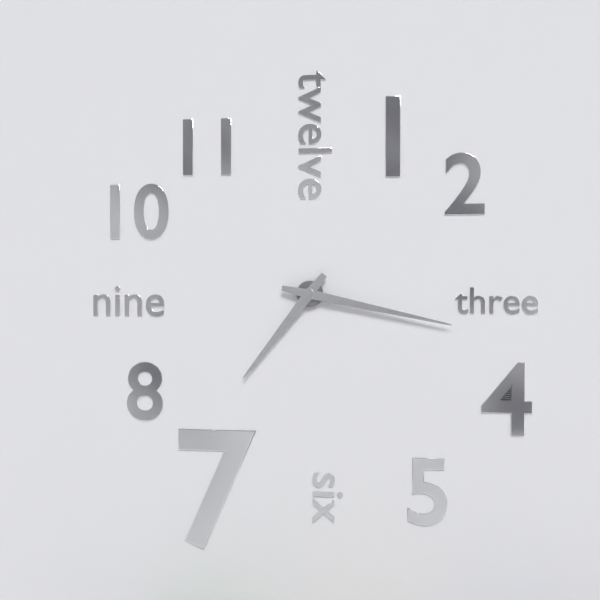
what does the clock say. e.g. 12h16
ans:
7h17
